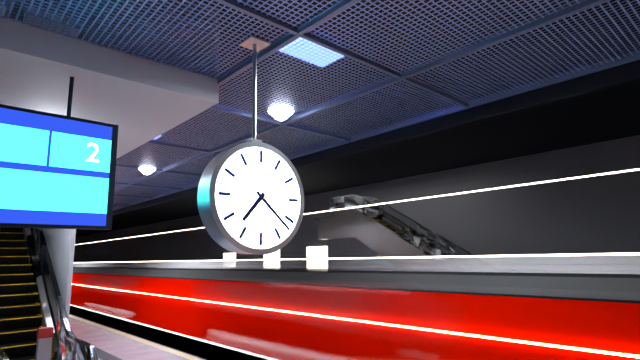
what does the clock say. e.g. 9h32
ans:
7h22
